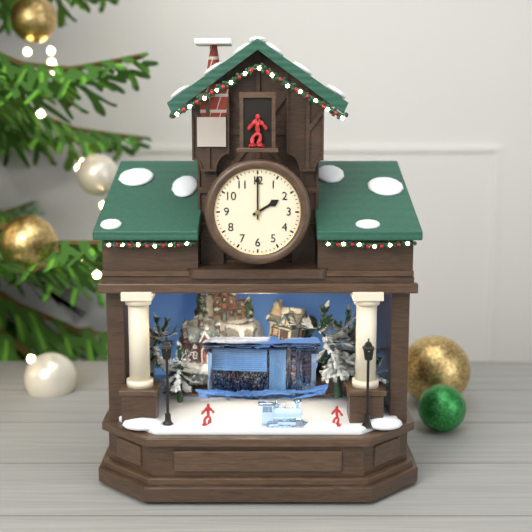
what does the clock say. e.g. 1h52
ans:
2h00
